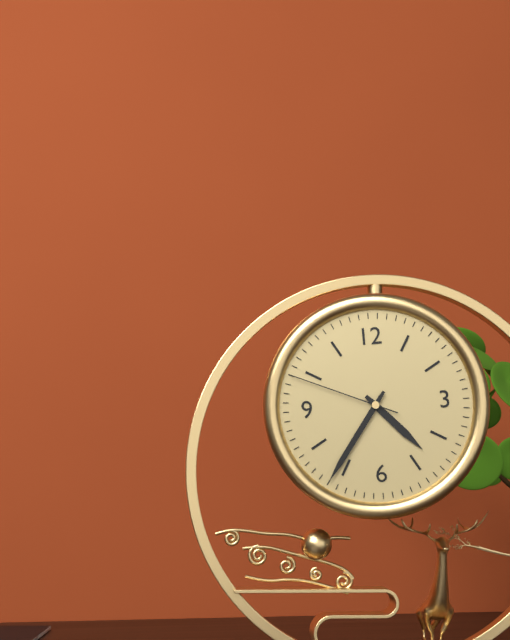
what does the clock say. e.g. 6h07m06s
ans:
4h36m49s
